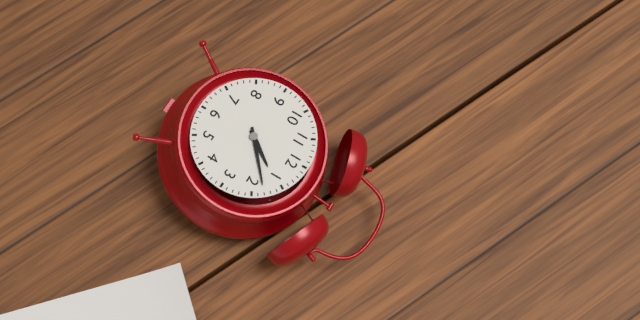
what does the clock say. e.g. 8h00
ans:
1h08
